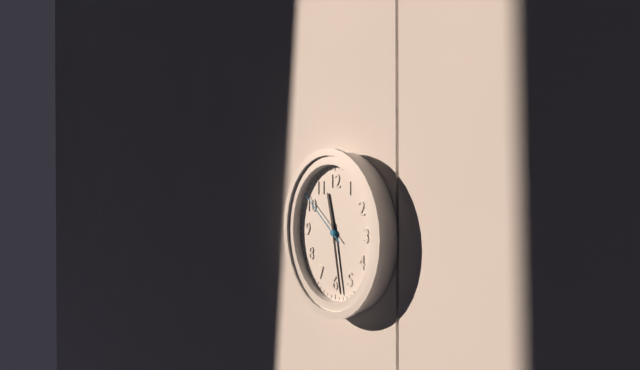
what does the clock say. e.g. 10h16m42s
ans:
11h28m51s
